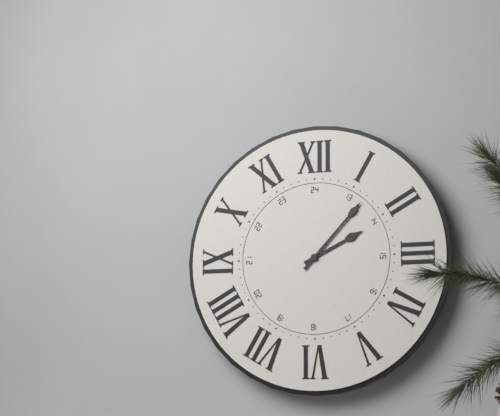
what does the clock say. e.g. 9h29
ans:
2h07
